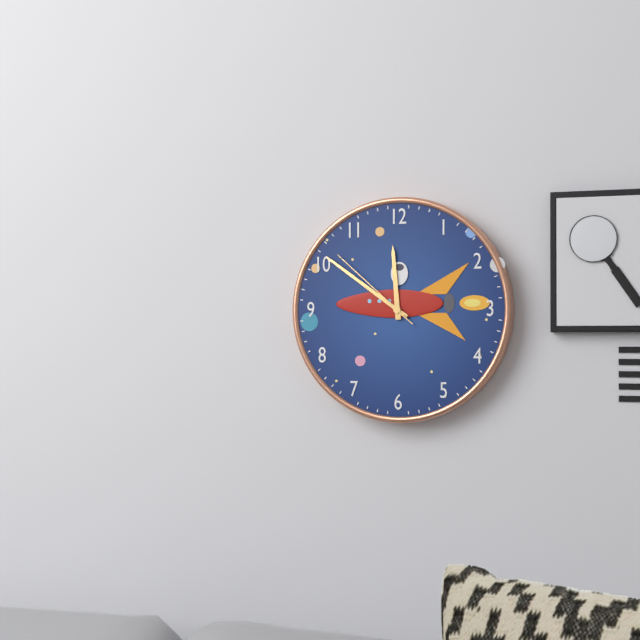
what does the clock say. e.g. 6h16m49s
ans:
11h51m52s
